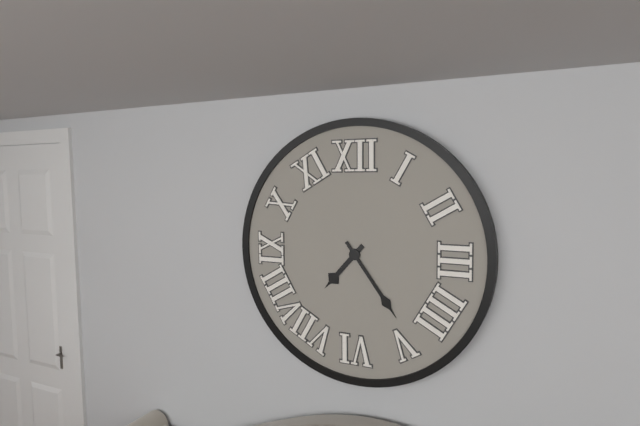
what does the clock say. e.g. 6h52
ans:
7h24
